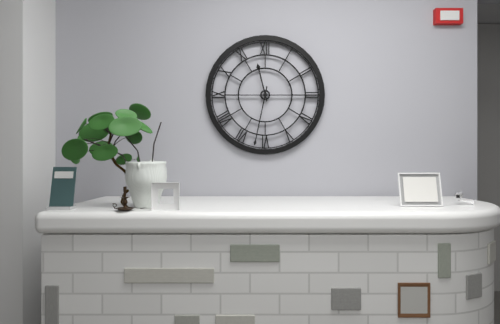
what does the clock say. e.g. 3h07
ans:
11h32
